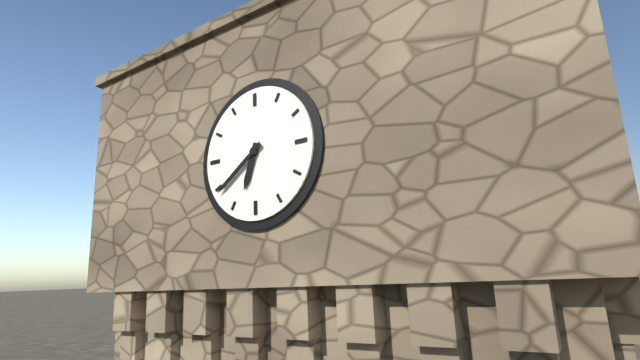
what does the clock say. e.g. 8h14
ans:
6h39
